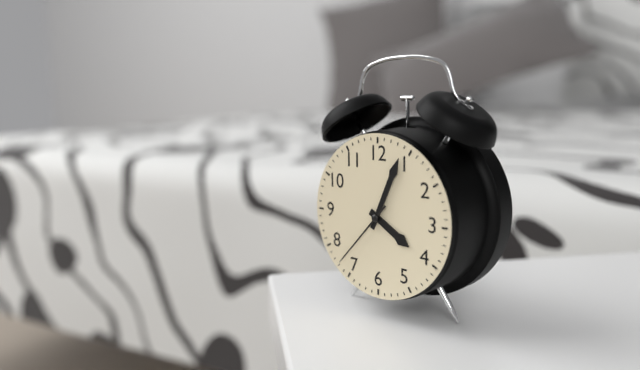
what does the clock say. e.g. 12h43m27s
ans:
4h04m37s
